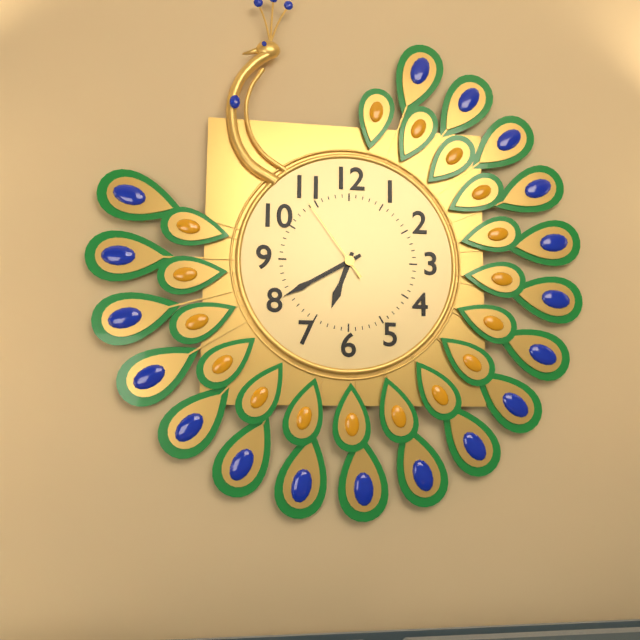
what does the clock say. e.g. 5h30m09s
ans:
6h40m54s
